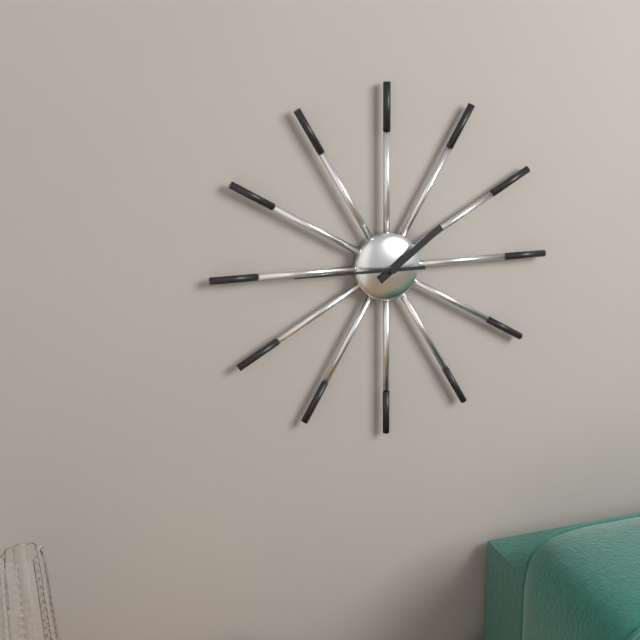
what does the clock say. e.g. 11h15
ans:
1h45
